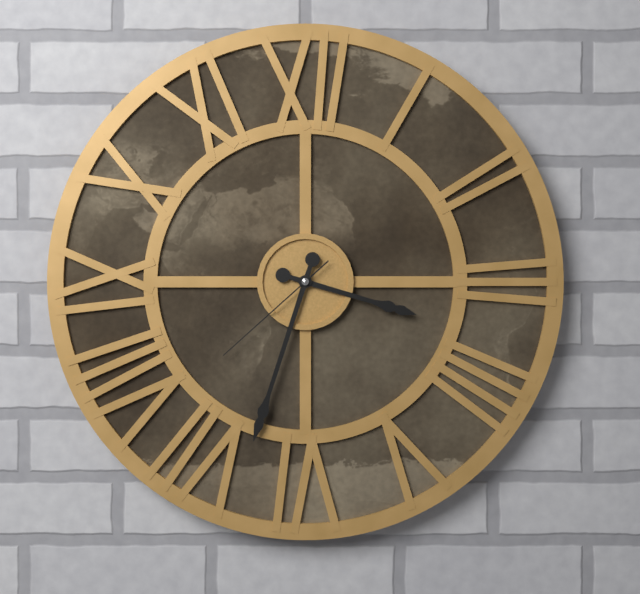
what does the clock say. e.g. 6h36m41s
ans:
3h33m38s
